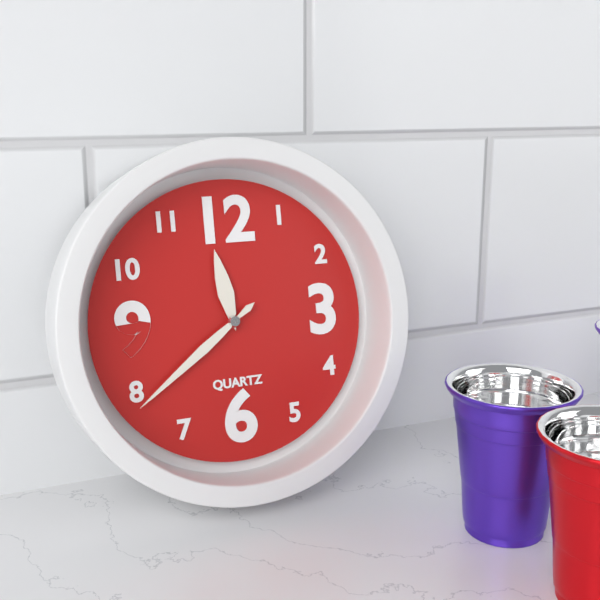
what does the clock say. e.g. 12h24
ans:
11h39
